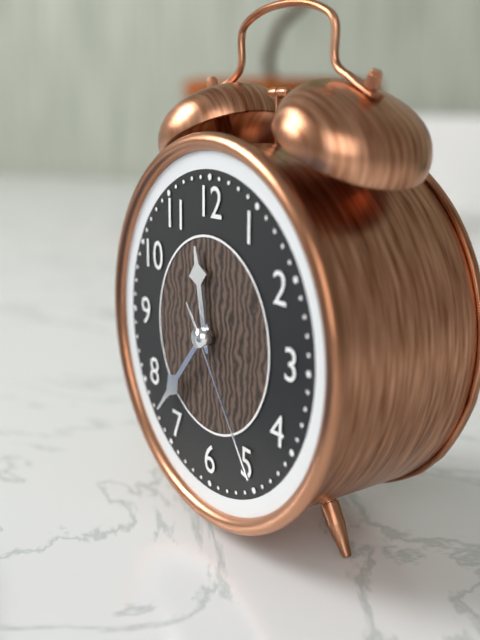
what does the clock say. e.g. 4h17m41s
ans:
11h37m24s
